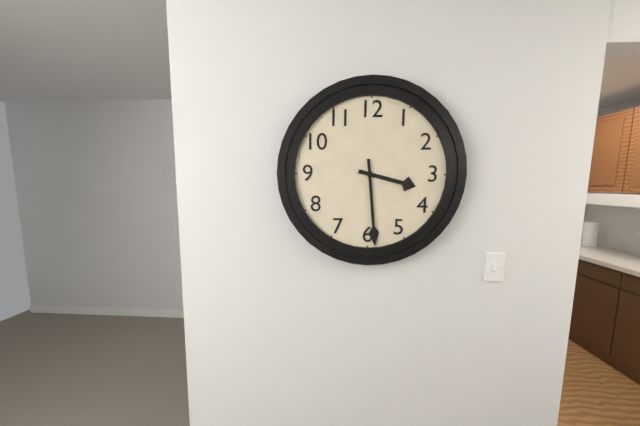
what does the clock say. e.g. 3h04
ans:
3h29
